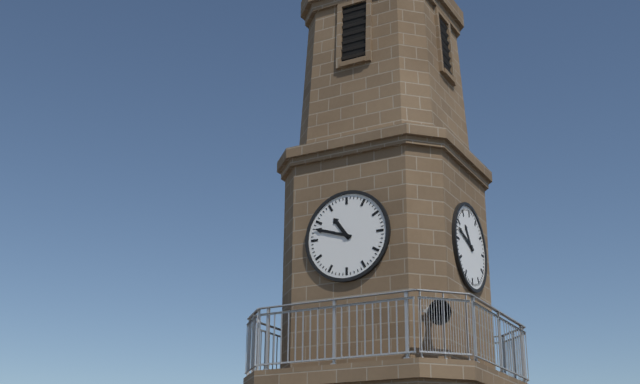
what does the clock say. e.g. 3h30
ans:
10h48
